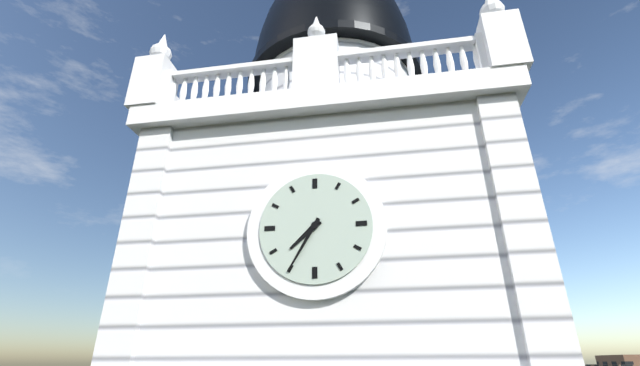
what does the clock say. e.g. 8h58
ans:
7h35
